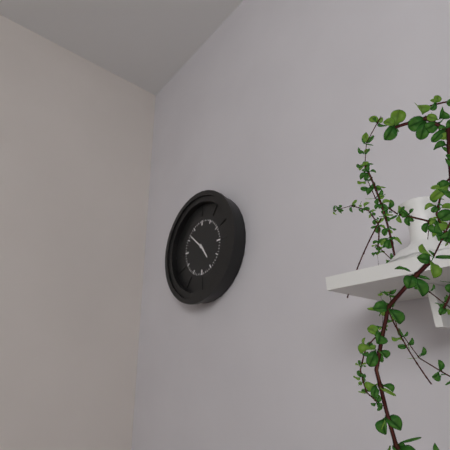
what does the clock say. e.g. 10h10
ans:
4h52
